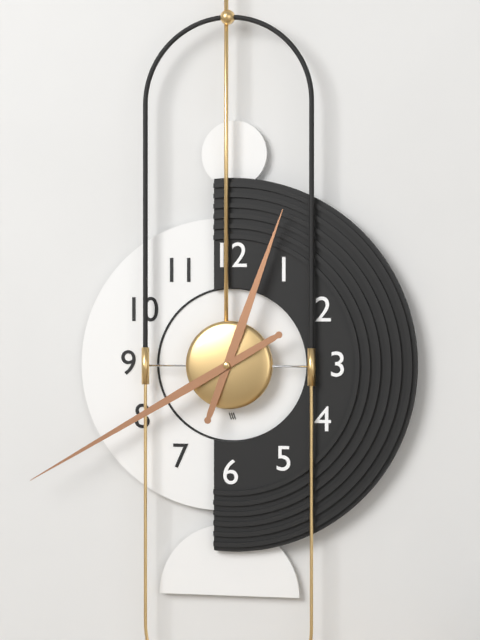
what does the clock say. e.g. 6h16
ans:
12h40
